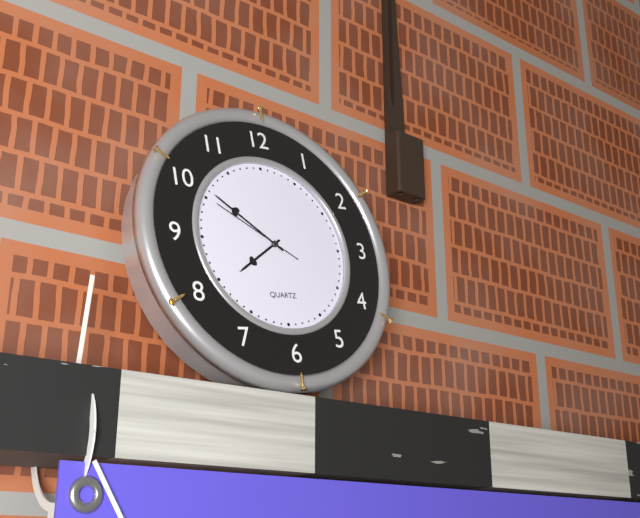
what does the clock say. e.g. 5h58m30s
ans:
7h51m50s
